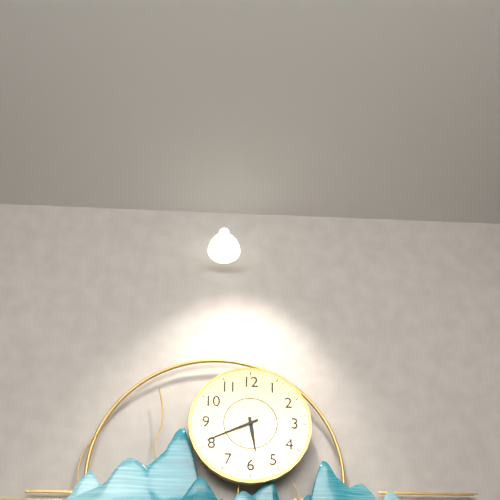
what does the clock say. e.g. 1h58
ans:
5h41
